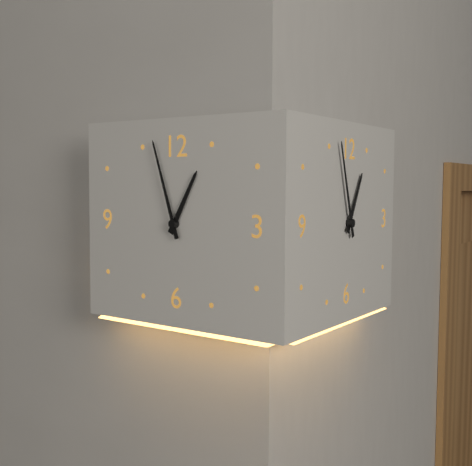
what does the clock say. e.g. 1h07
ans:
12h57
